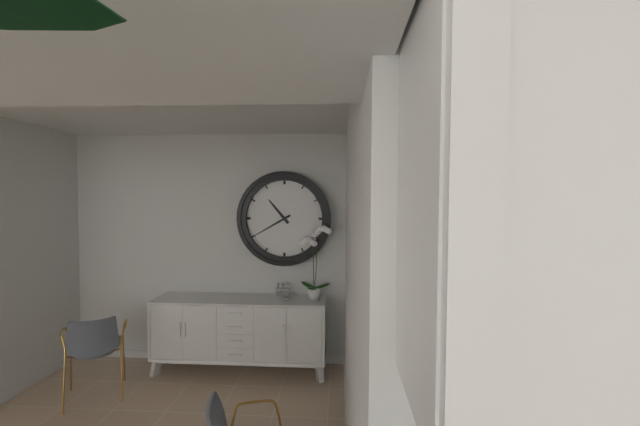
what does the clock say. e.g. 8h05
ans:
10h40
